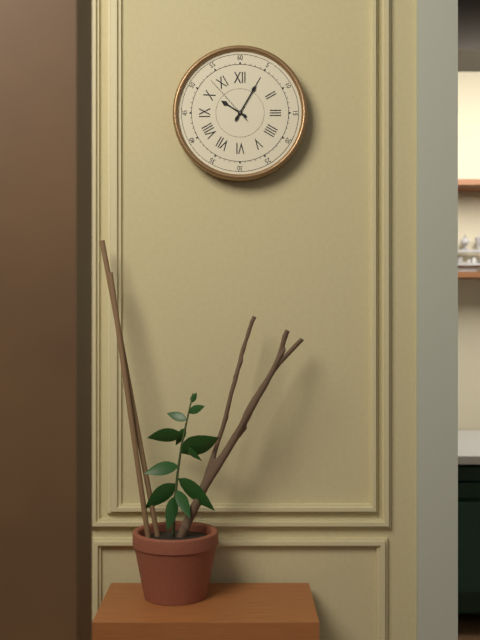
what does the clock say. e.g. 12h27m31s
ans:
10h05m53s
